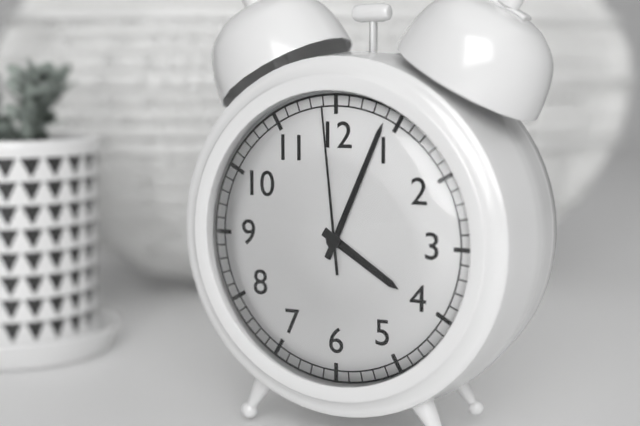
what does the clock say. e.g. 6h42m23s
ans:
4h04m59s
